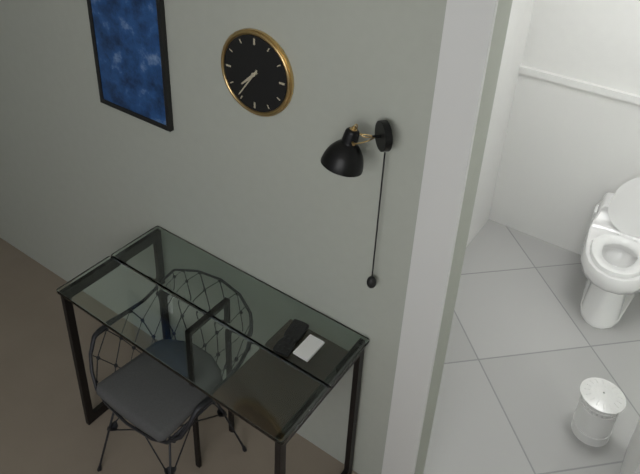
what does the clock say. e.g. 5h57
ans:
7h36
